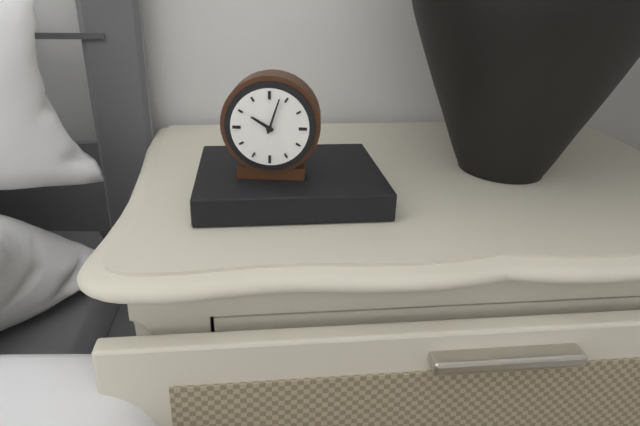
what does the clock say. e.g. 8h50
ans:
10h03
